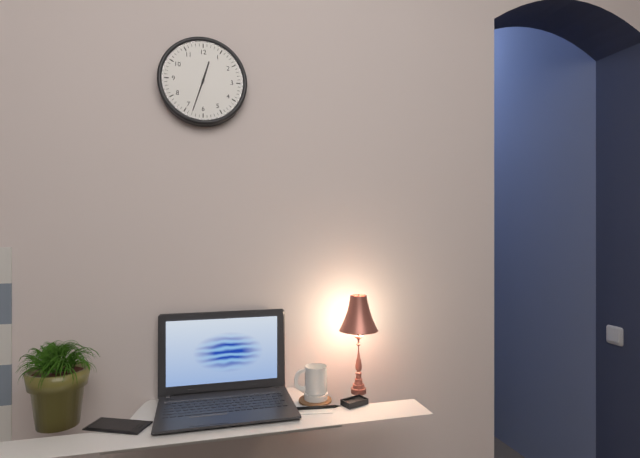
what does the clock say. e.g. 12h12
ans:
12h33
